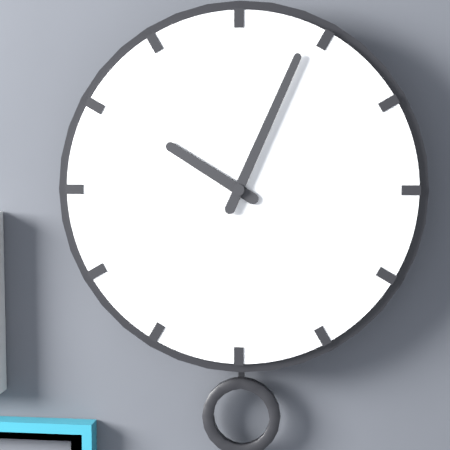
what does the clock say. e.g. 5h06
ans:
10h04
